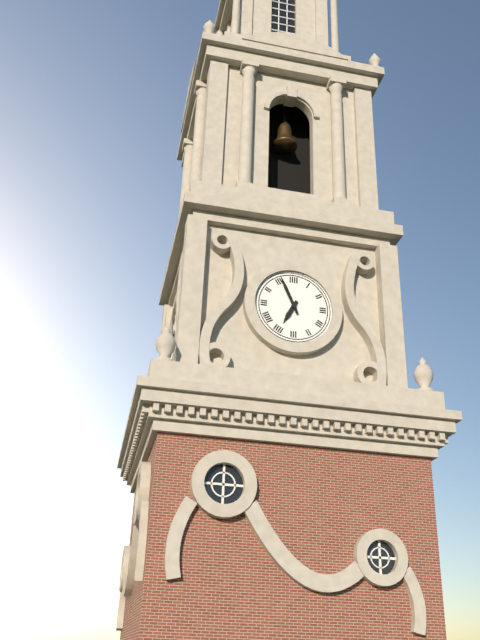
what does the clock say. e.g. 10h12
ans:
6h56
